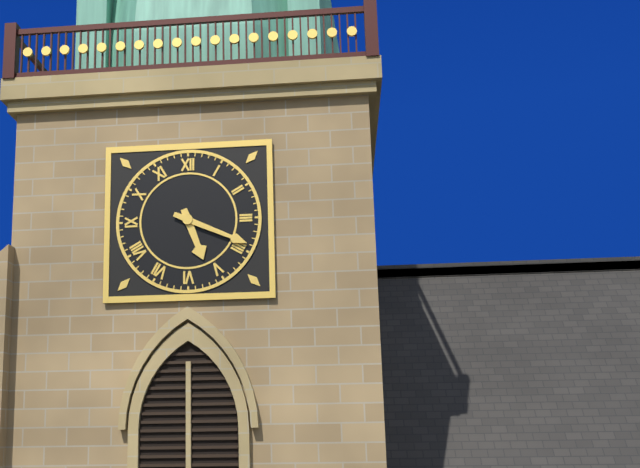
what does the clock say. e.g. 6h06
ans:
5h19
